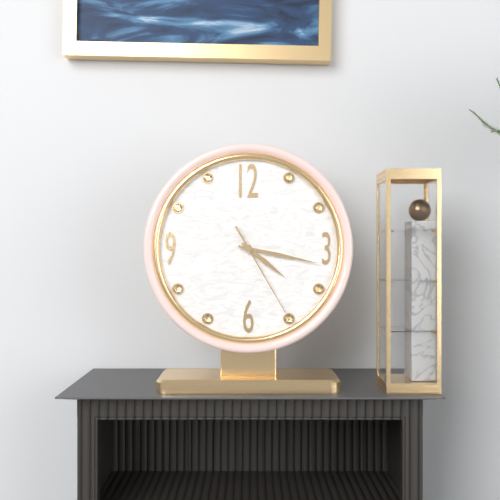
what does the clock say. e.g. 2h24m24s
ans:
4h17m25s
